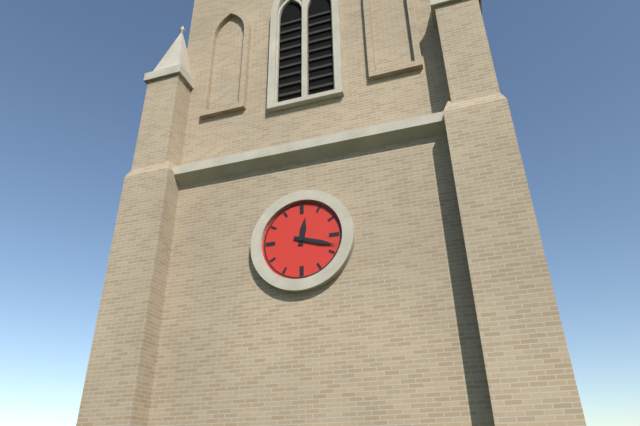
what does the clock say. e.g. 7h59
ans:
12h18
